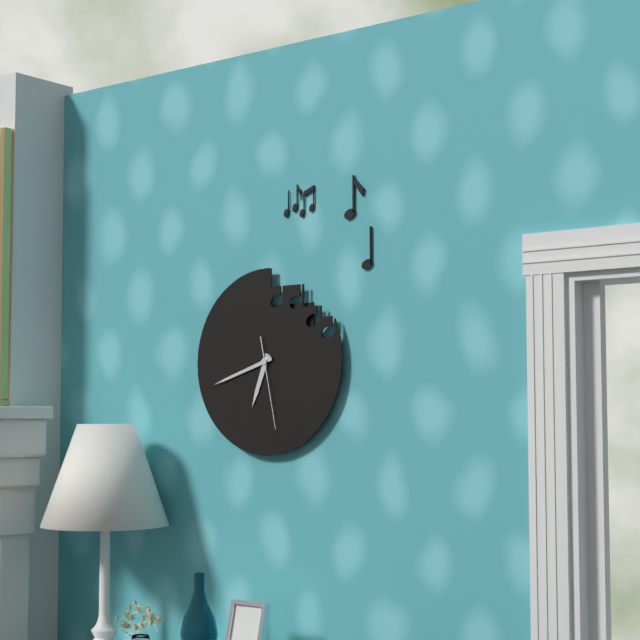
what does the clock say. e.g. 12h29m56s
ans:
6h42m28s
